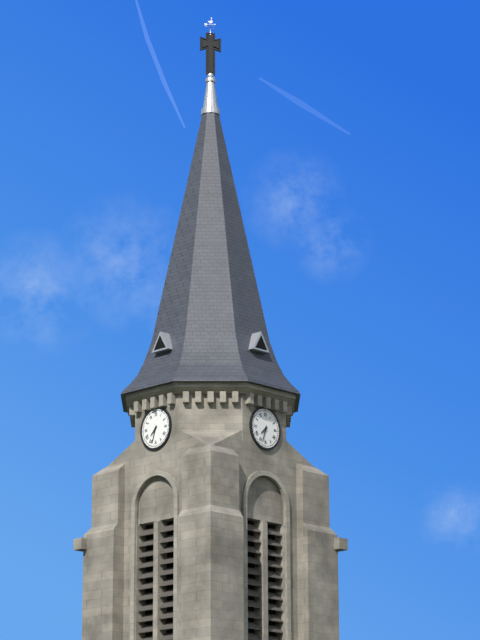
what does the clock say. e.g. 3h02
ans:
7h33
